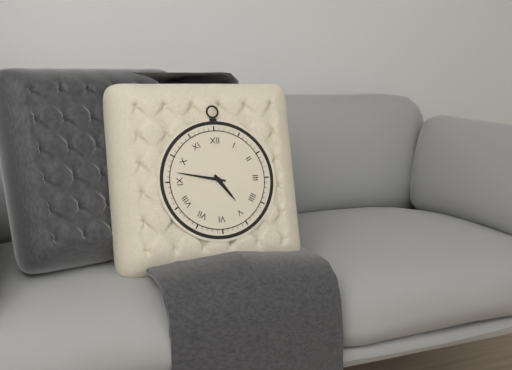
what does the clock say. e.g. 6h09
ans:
4h47
